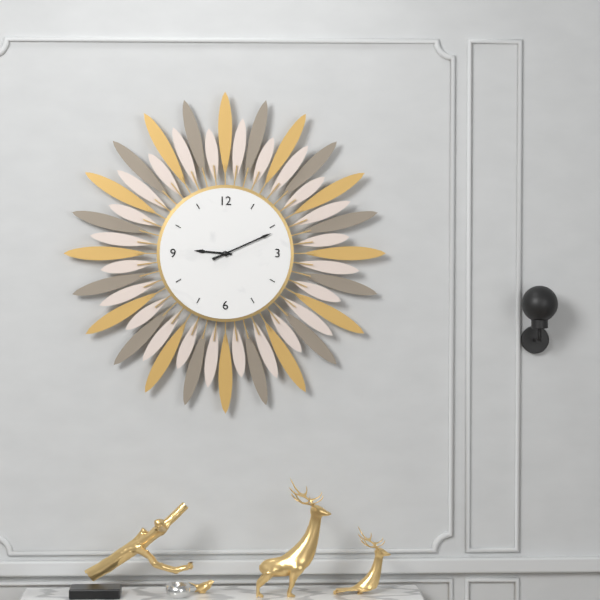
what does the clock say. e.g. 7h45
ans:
9h11
